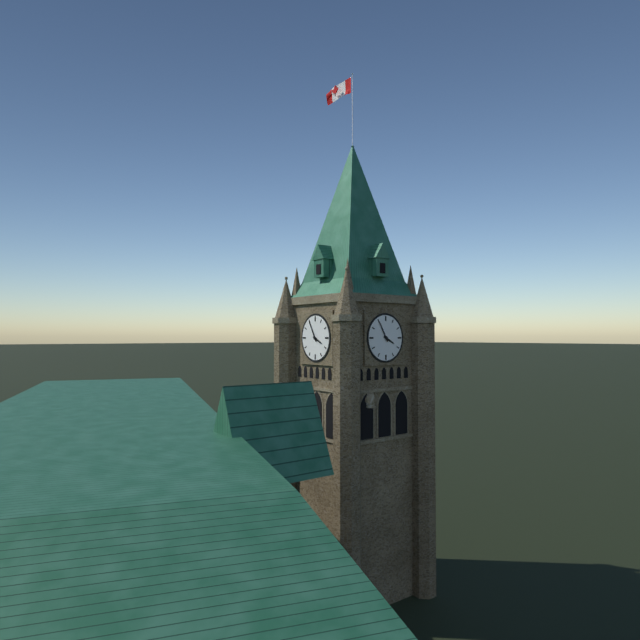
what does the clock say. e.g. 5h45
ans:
3h55
